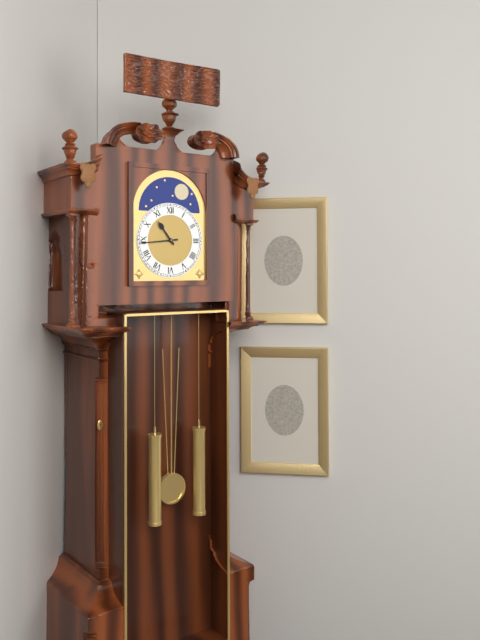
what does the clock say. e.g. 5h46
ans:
10h44
